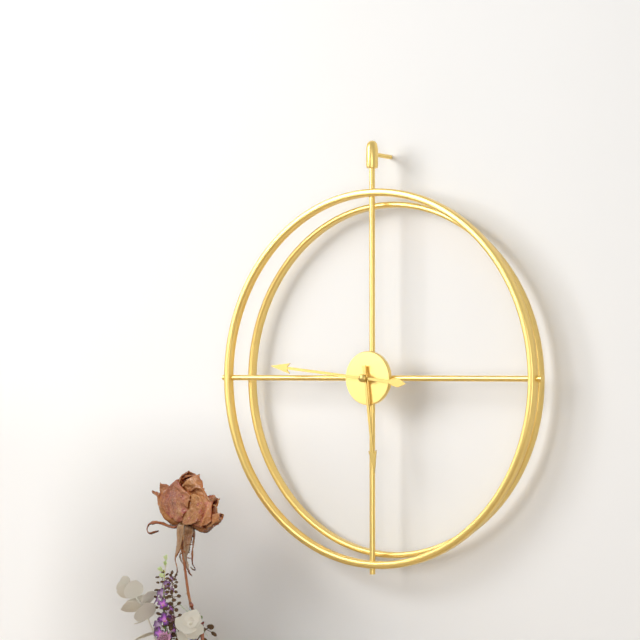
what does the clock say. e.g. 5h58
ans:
5h46
